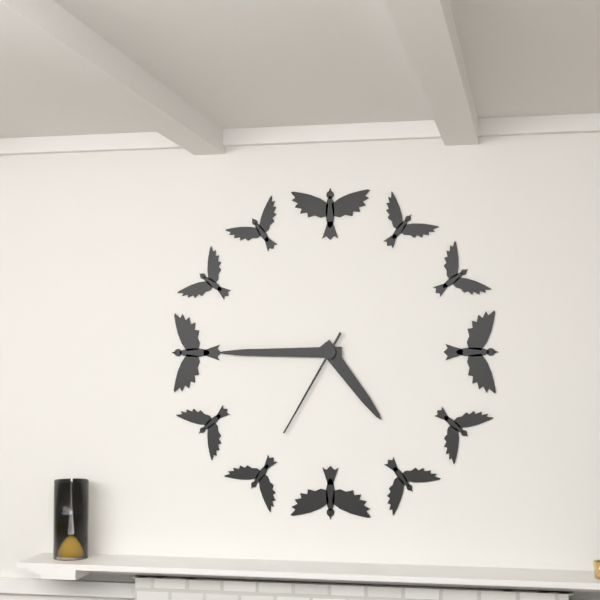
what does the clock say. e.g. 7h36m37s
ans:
4h45m35s
